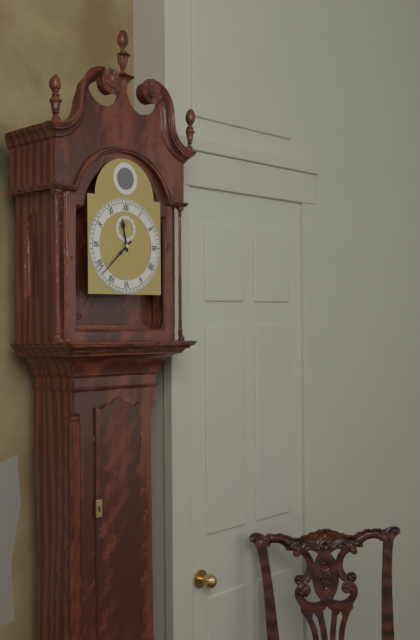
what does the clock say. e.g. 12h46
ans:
11h38
